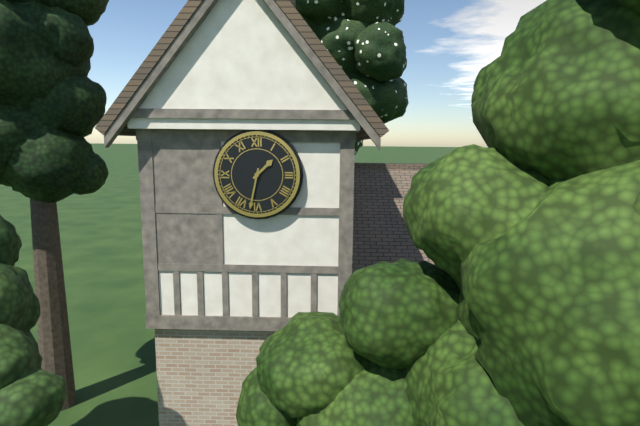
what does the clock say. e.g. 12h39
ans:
1h32
